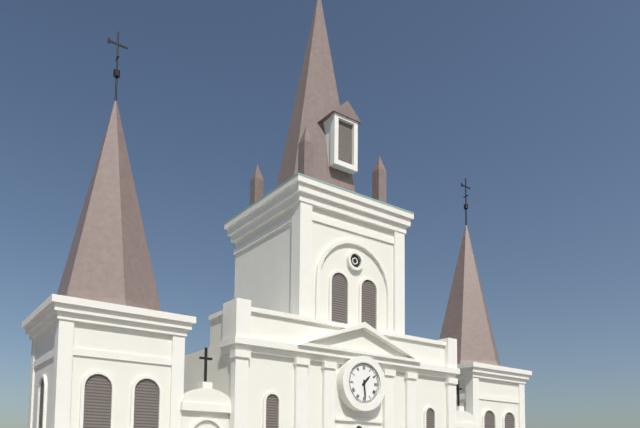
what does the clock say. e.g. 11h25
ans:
1h29
